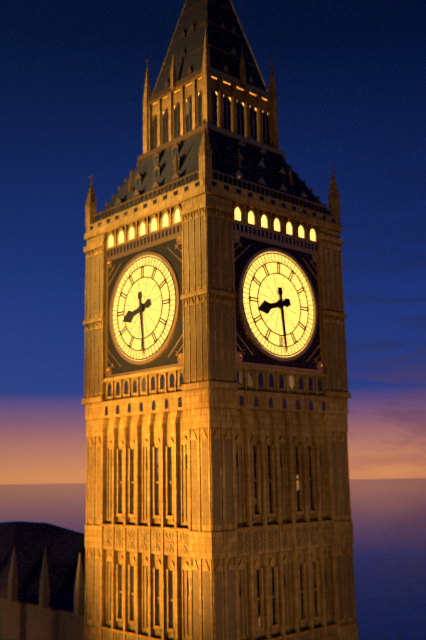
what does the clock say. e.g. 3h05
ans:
8h29
